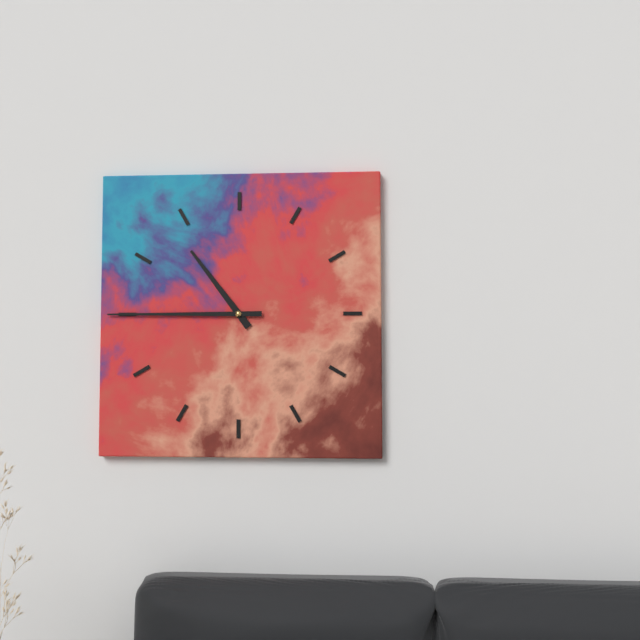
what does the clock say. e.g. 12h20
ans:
10h45
